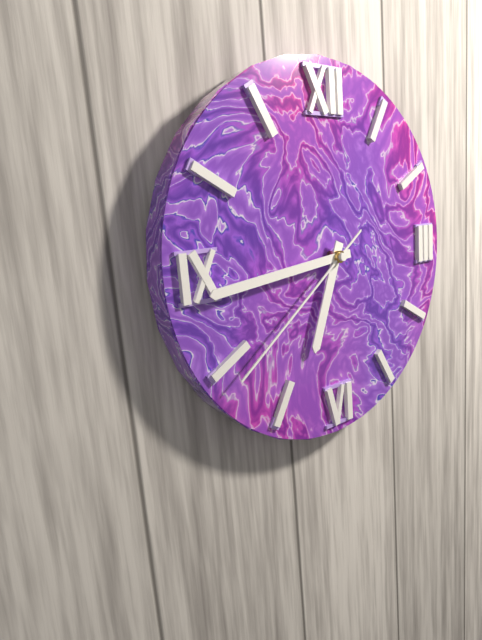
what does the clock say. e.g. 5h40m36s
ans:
6h44m39s
